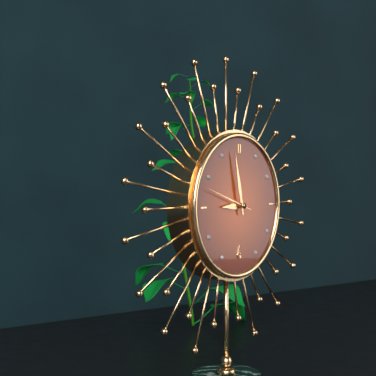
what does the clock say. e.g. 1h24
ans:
8h58
